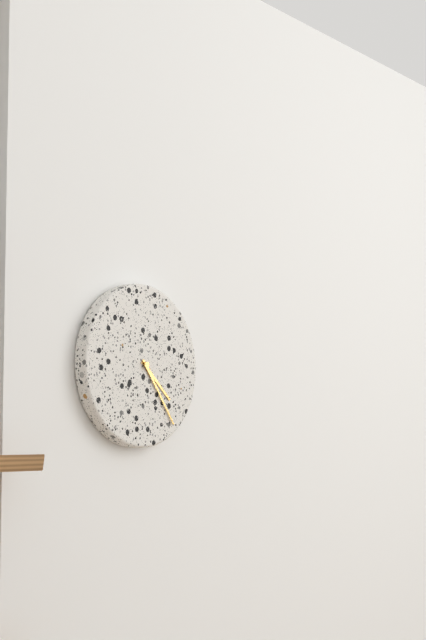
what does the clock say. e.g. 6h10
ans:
4h24
